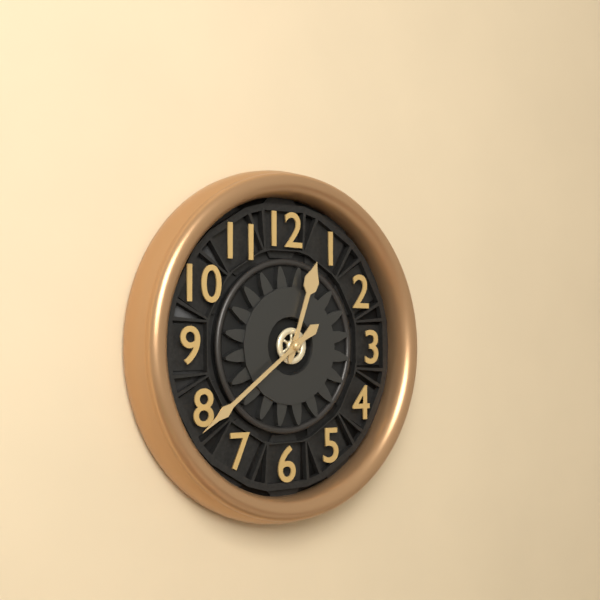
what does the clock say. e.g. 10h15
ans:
12h39
